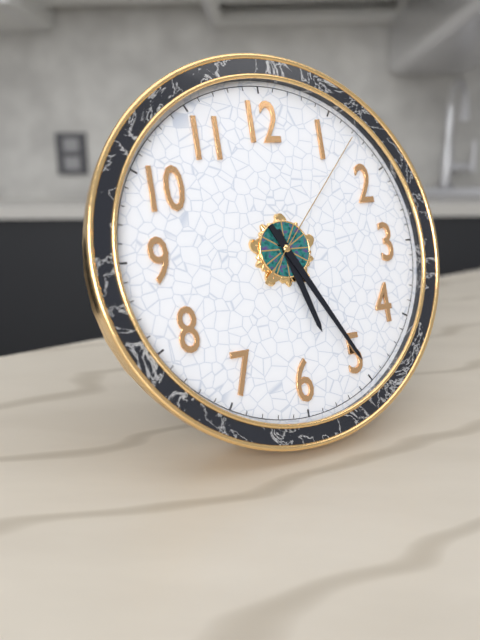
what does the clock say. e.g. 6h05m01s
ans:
5h25m07s
